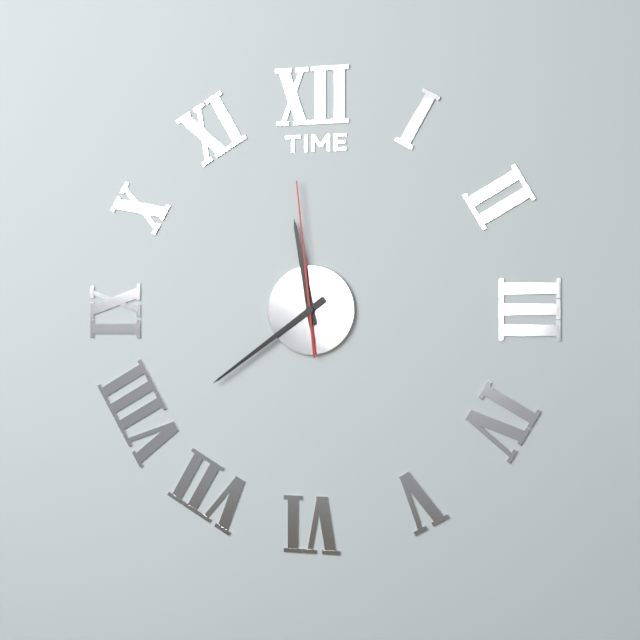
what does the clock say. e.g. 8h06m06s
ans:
11h39m59s
